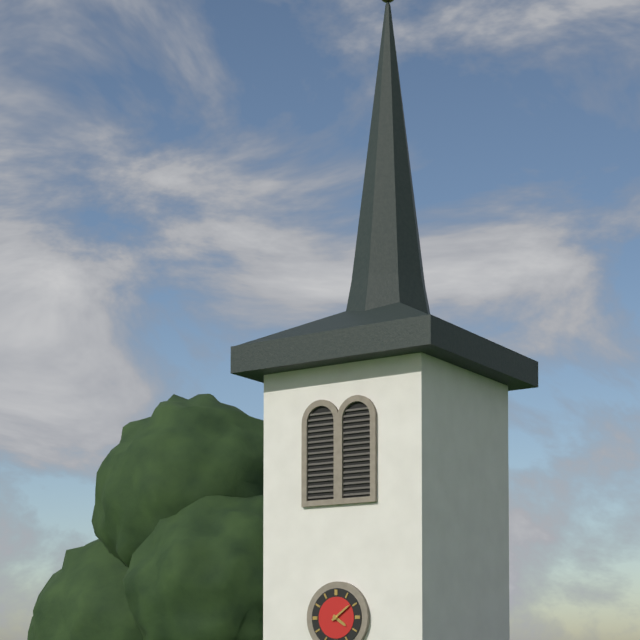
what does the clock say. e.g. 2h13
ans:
4h09
